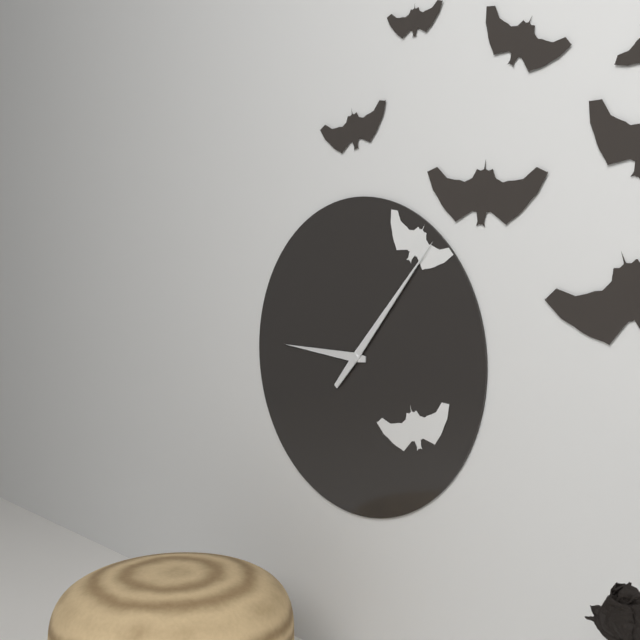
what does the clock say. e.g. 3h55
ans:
9h07
